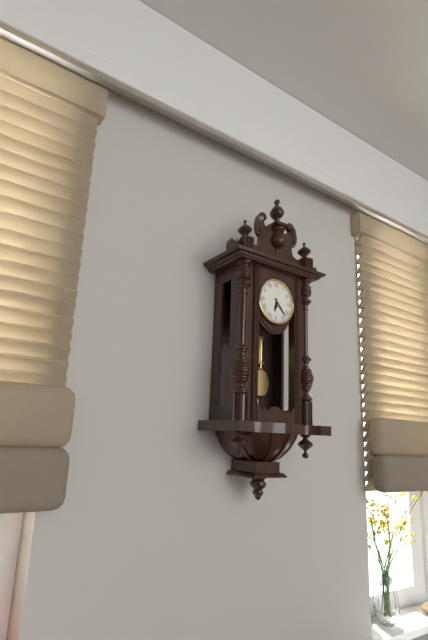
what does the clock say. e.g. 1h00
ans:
6h23
